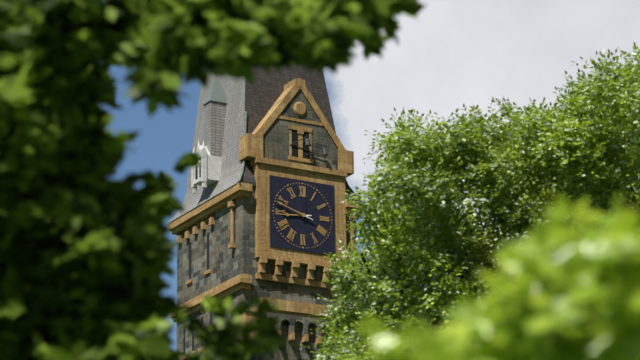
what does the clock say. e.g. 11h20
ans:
8h48
